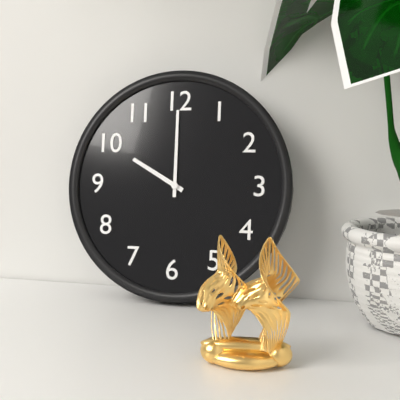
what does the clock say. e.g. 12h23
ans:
10h00
